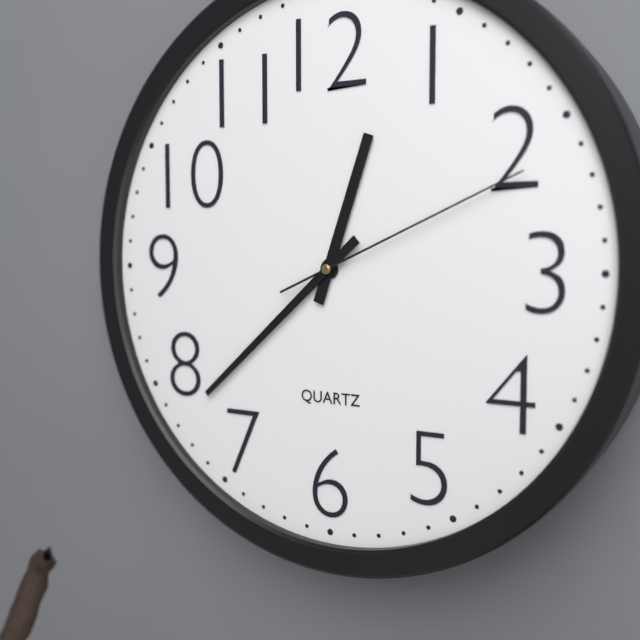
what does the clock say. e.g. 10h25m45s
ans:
12h38m11s
